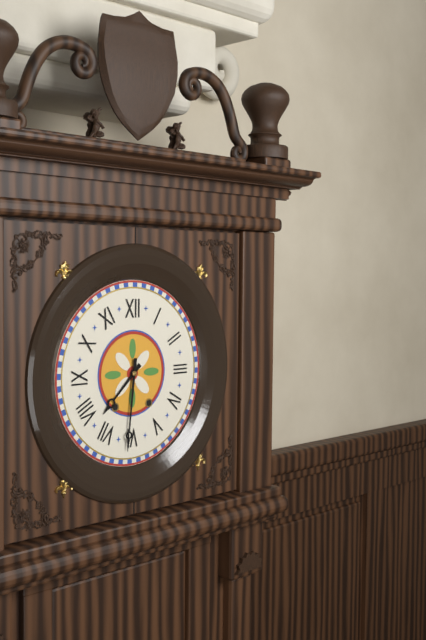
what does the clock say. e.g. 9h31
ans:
7h31
